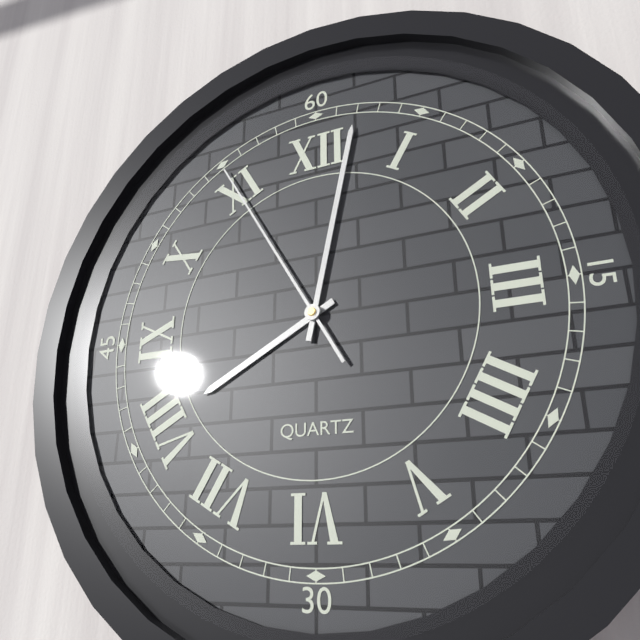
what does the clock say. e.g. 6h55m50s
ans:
8h02m55s
